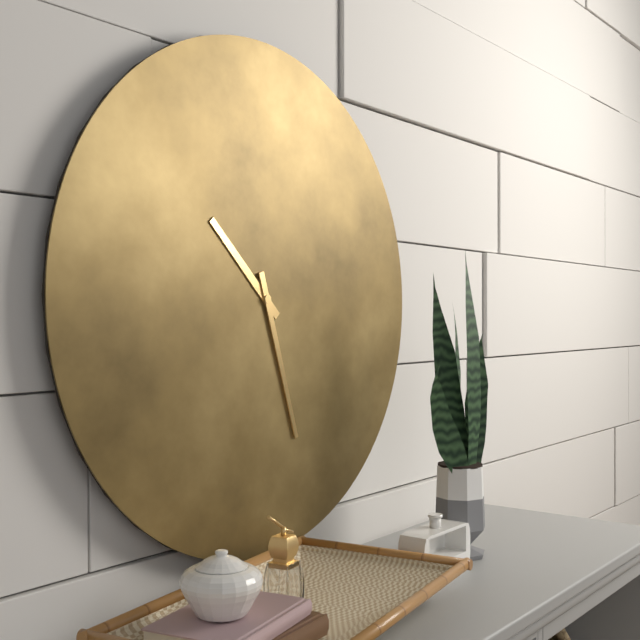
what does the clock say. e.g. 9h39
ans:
10h27
